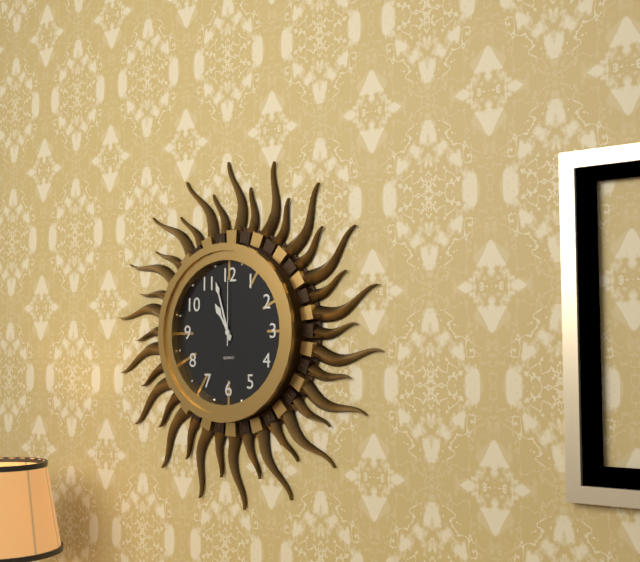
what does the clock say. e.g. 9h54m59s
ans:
10h57m00s
